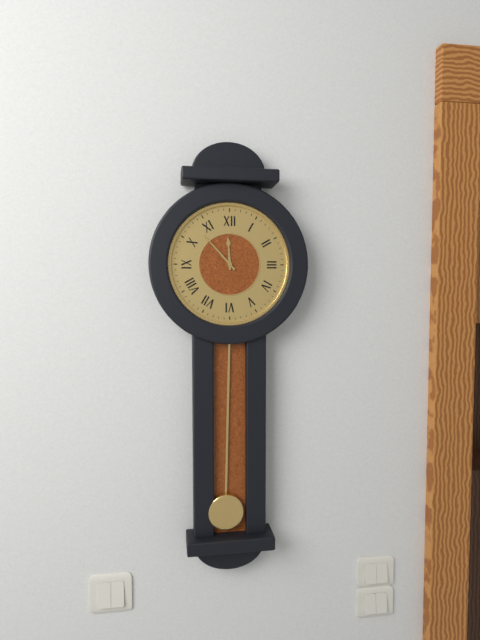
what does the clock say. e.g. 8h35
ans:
11h53
